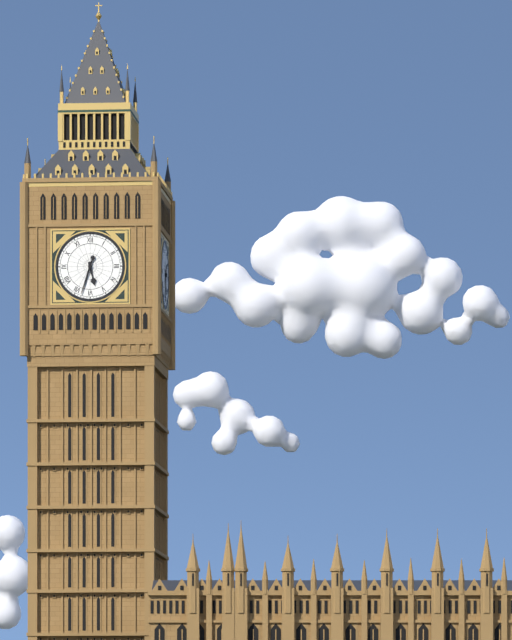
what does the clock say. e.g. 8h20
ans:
5h33
